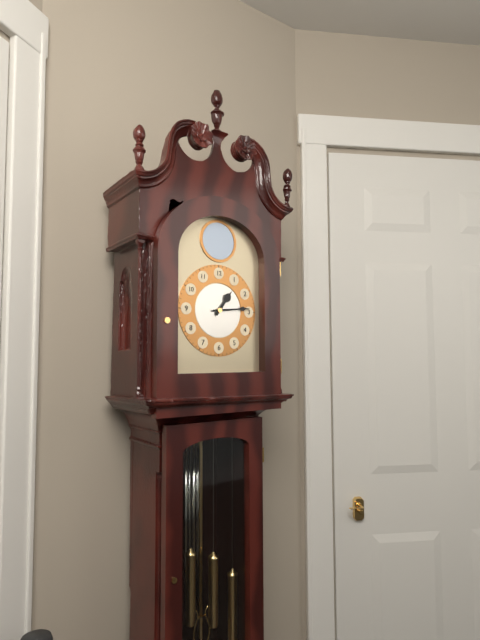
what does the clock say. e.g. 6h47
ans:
1h14
